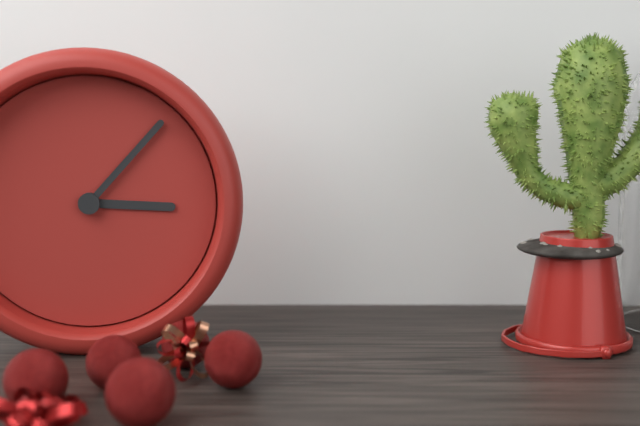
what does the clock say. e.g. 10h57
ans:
3h07
